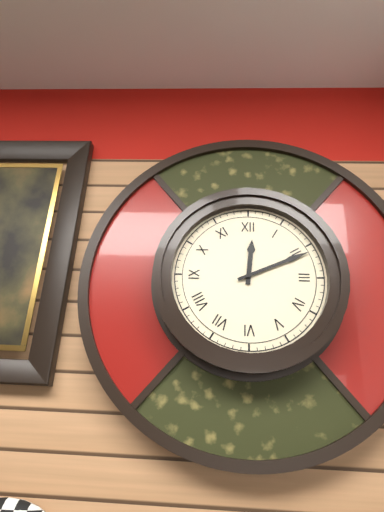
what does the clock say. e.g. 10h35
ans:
12h11
